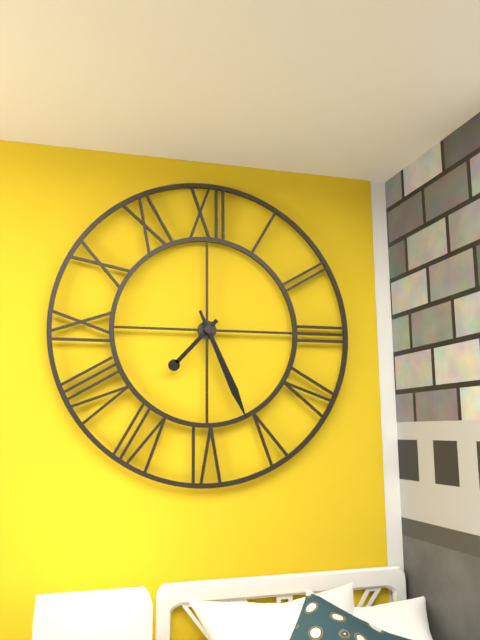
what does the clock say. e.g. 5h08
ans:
7h26
